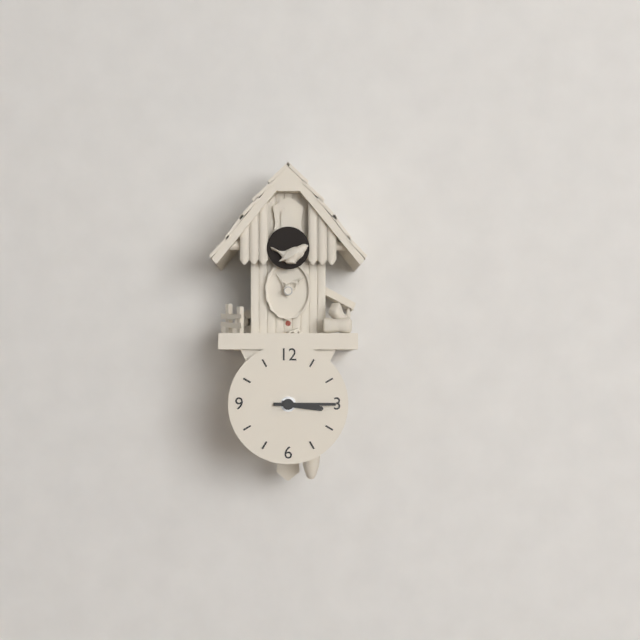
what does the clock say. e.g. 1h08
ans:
3h15
